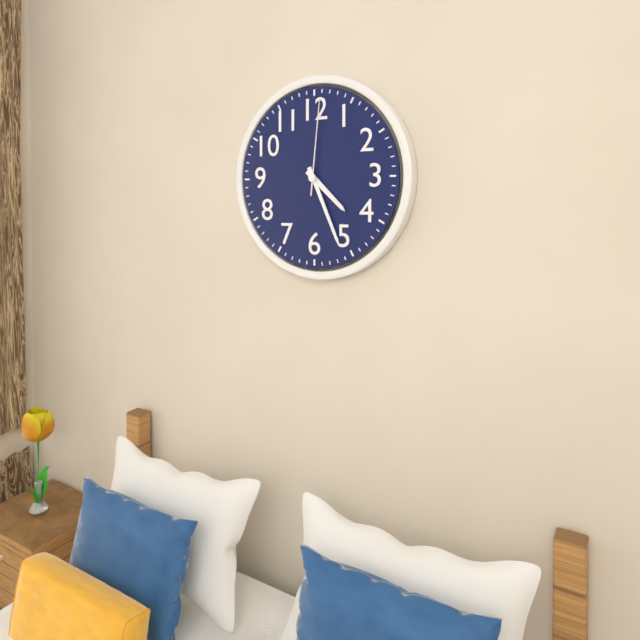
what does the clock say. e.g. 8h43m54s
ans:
4h26m01s
